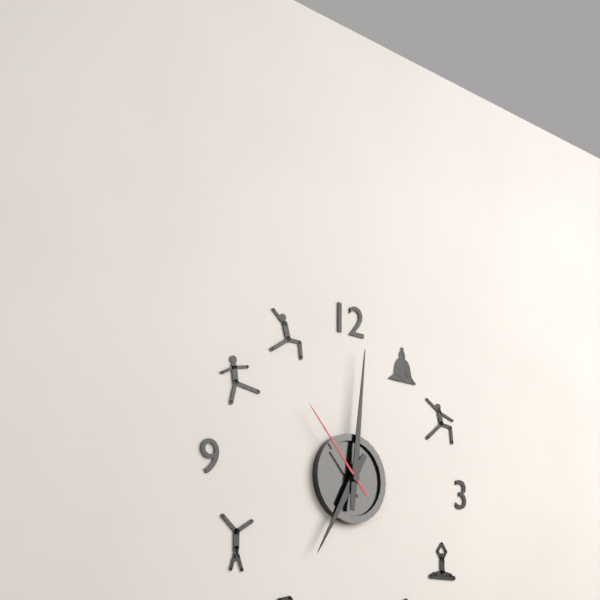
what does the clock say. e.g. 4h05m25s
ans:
7h01m53s
